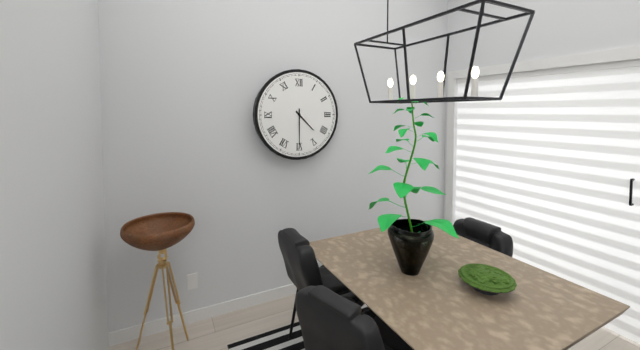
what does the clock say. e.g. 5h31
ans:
4h30
